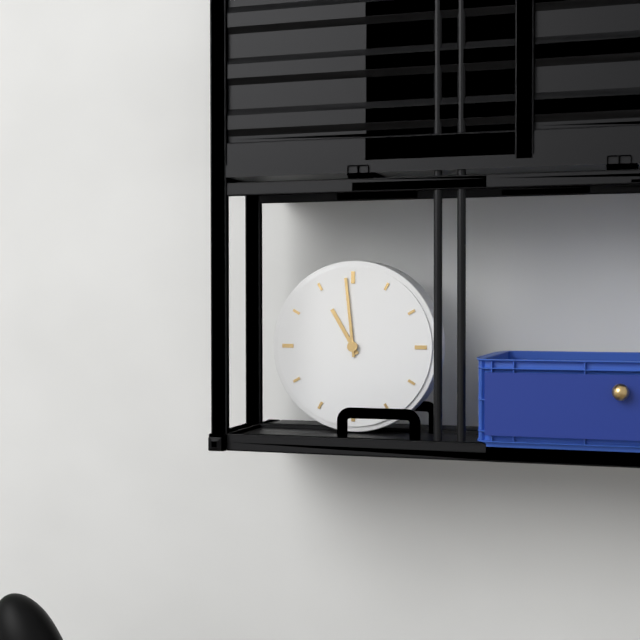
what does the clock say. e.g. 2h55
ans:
10h59
